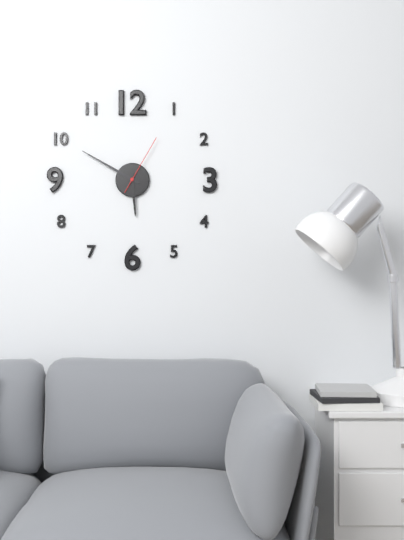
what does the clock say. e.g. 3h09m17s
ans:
5h50m05s
